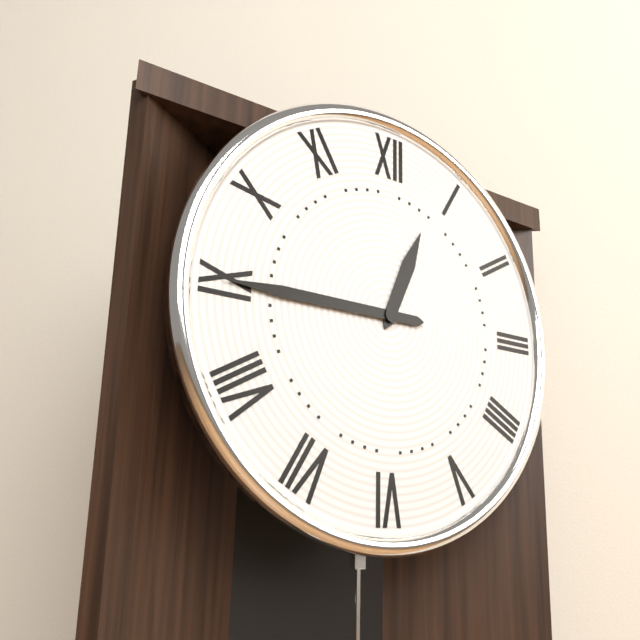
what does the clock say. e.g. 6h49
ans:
12h45
